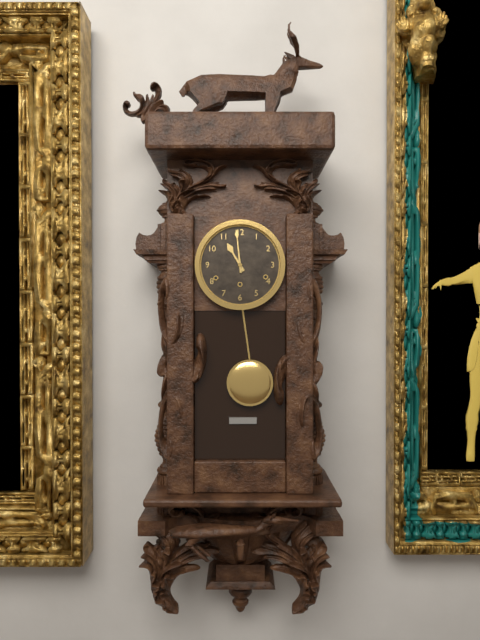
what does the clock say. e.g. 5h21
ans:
10h59
